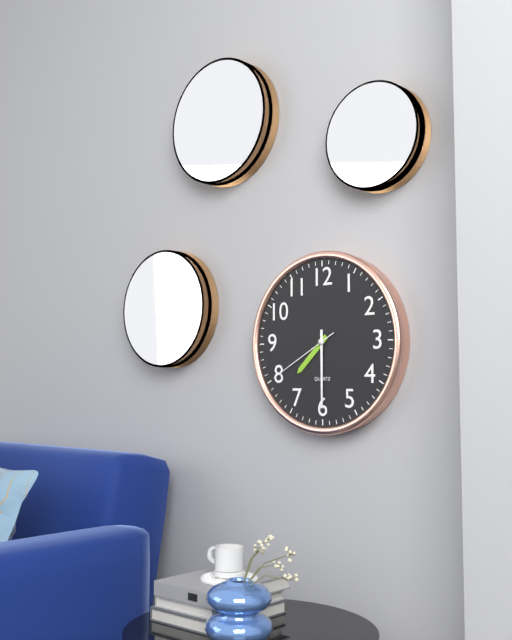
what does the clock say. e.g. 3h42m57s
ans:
7h30m40s
